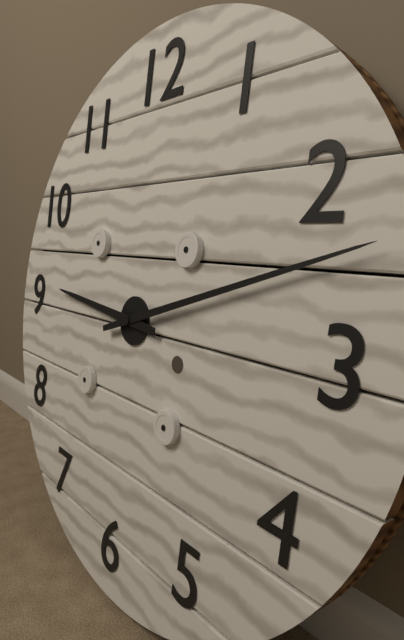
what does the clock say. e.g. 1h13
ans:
9h12
